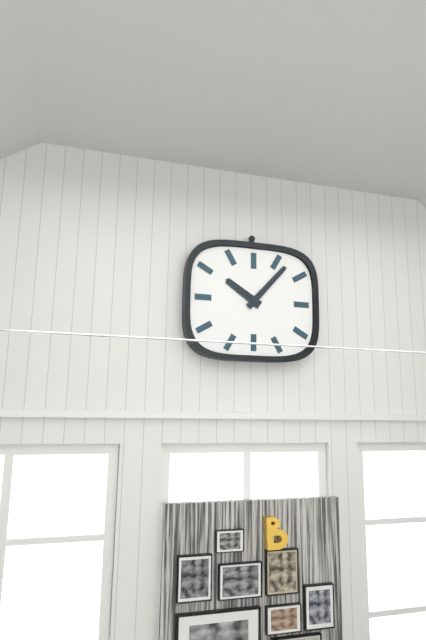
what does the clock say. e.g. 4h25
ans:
10h07
